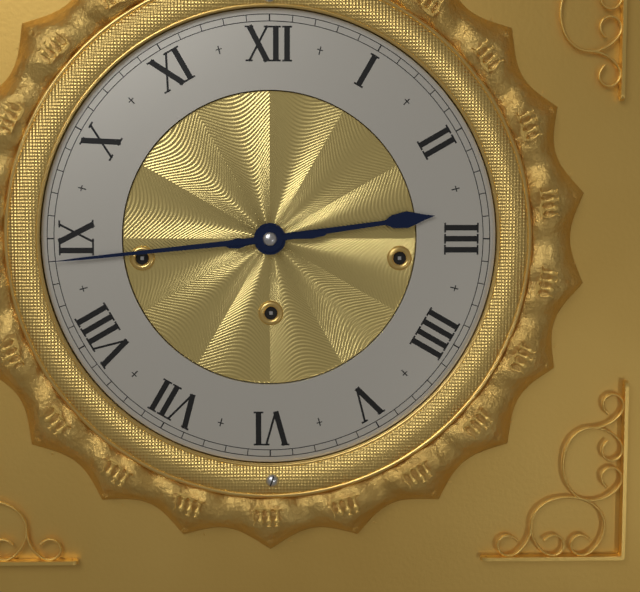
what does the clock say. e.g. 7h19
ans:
2h44
